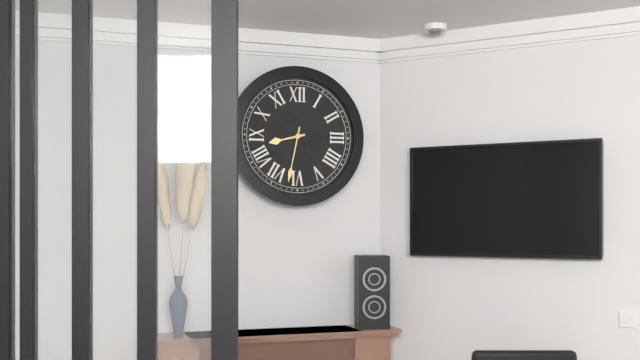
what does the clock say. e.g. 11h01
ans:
8h32
